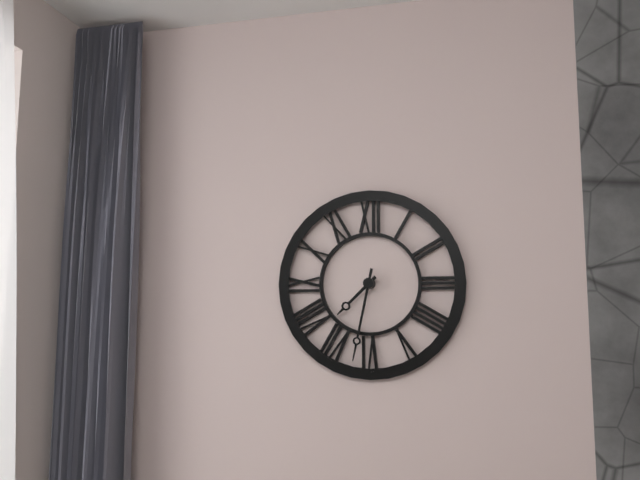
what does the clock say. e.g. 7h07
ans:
7h32
